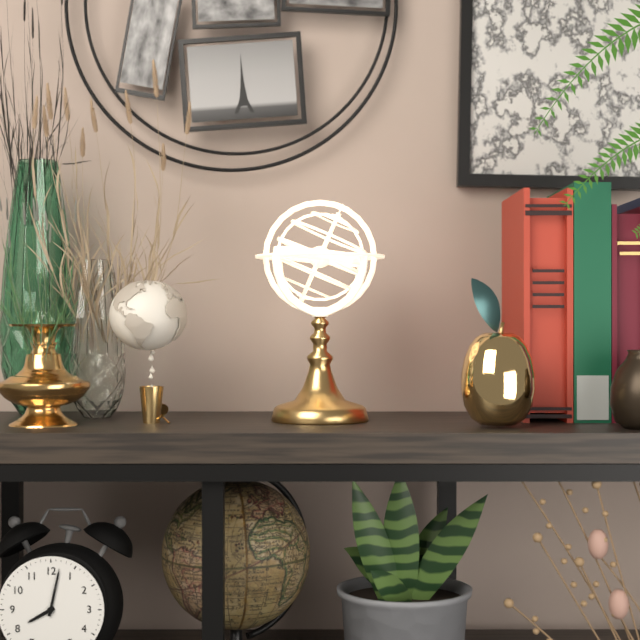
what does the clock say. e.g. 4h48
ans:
8h02
